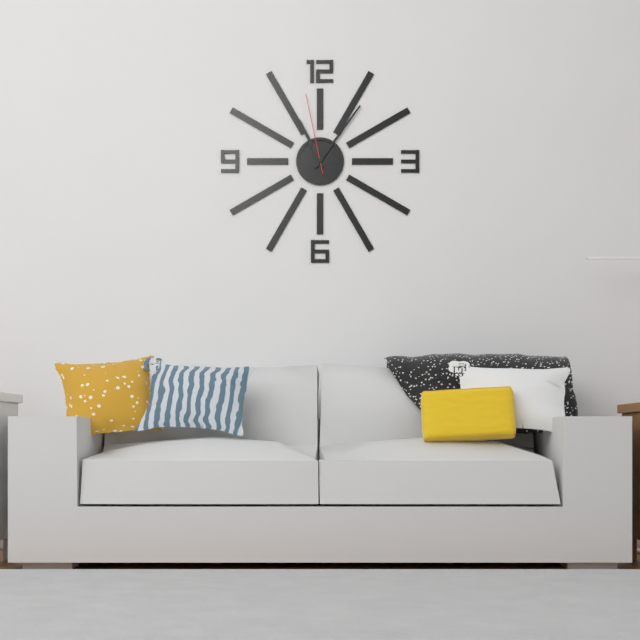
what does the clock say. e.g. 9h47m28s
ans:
11h06m58s
